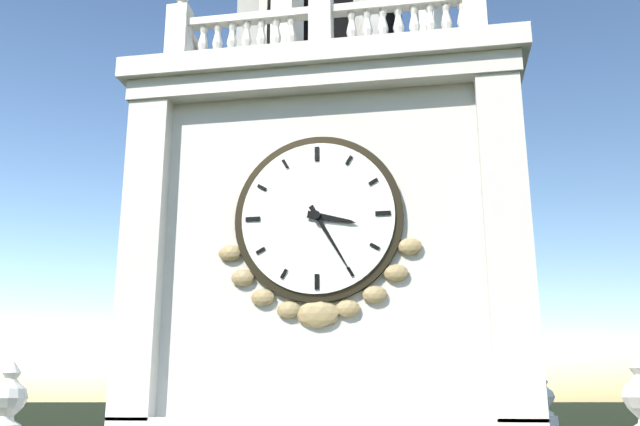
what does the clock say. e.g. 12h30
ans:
3h25
